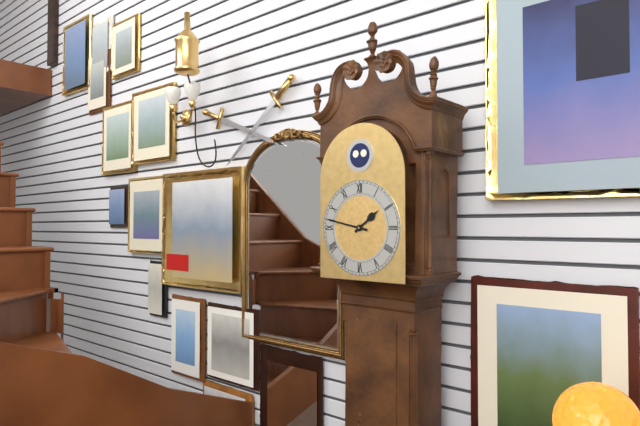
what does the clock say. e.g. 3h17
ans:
1h47
